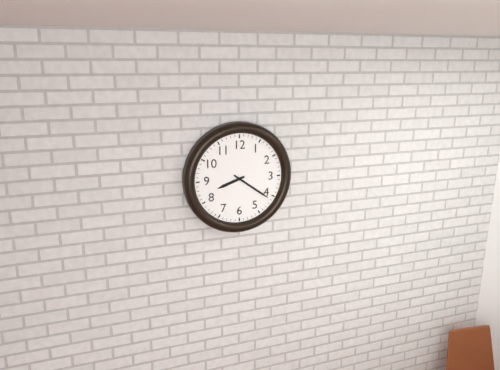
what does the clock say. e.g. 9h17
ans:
8h21
